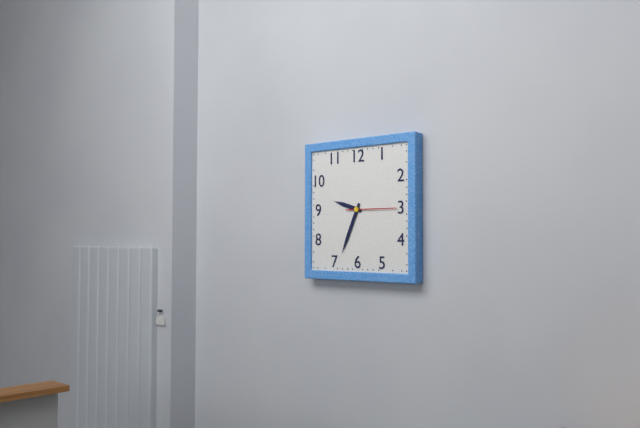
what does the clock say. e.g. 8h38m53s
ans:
9h34m15s
